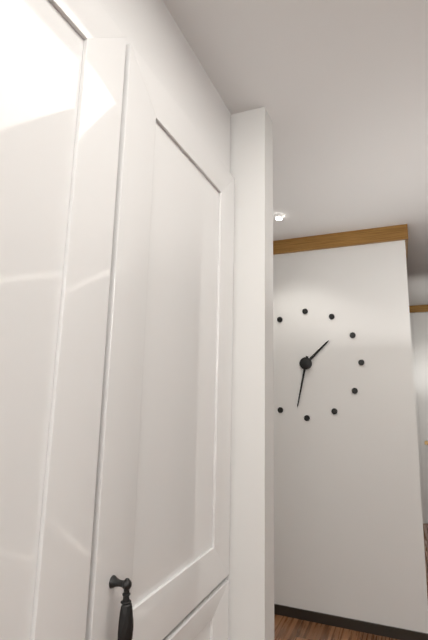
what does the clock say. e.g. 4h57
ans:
1h32
